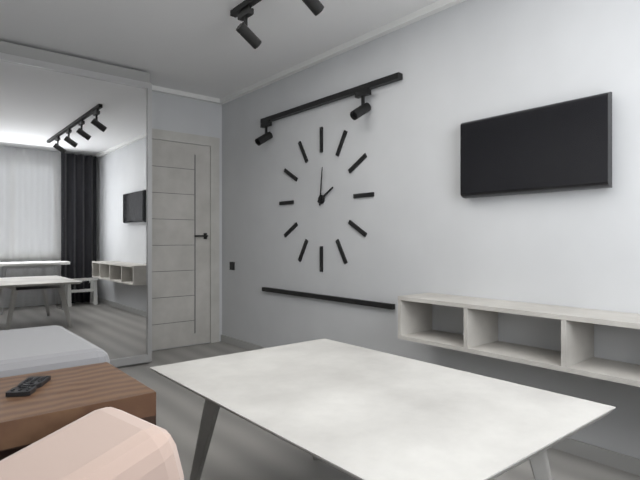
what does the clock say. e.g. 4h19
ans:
2h01
